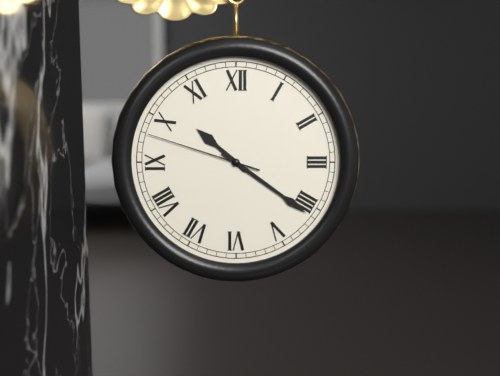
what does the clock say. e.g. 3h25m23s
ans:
10h21m48s
